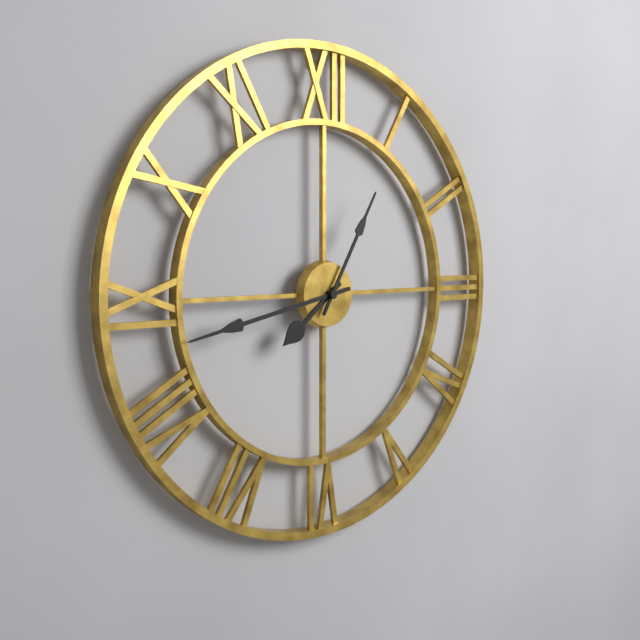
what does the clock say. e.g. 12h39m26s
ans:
7h43m05s
